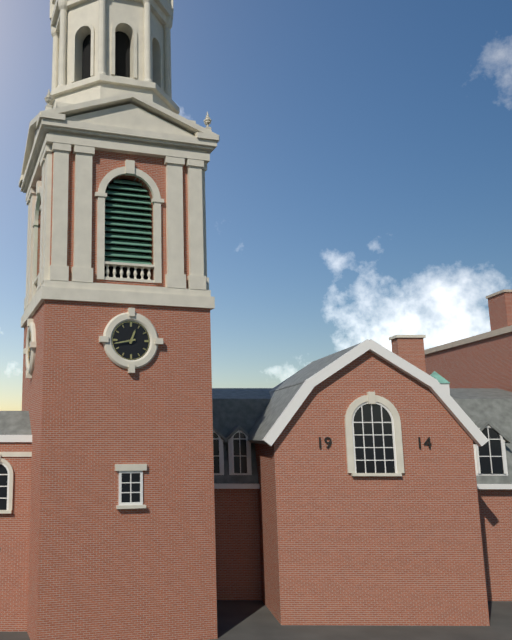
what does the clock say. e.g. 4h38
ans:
12h43
